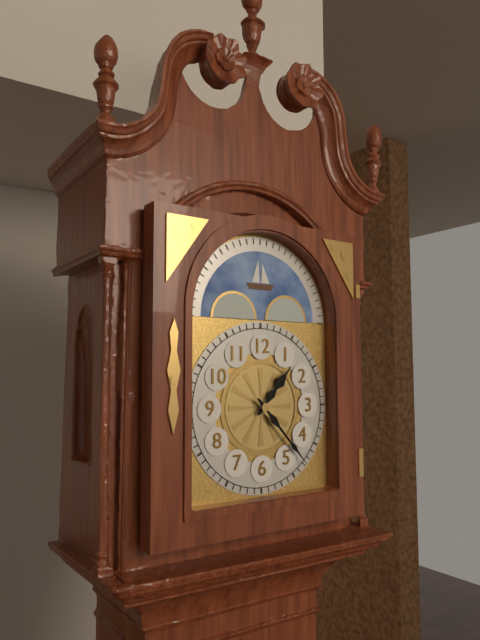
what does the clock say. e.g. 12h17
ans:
1h23
